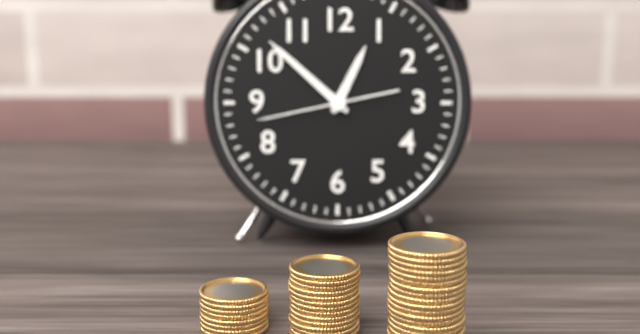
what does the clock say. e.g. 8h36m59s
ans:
12h52m43s
